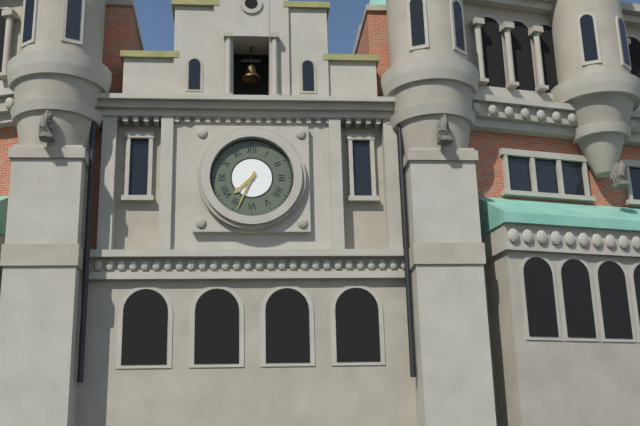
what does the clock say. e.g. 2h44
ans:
7h34
